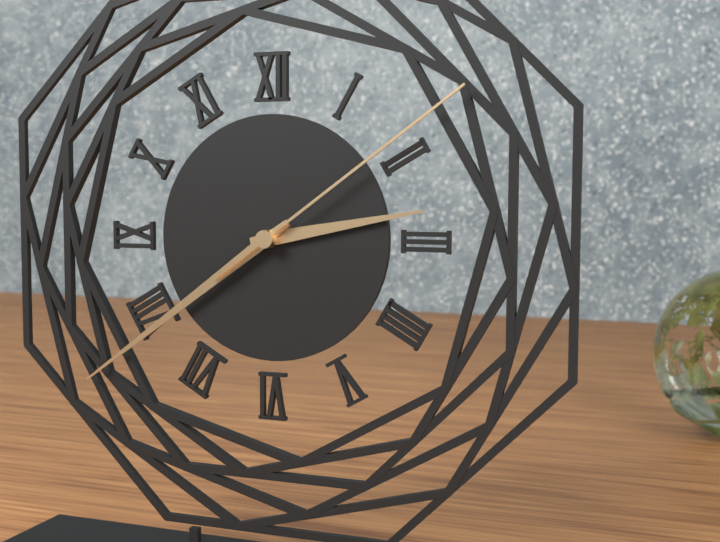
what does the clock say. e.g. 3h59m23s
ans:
2h39m09s
